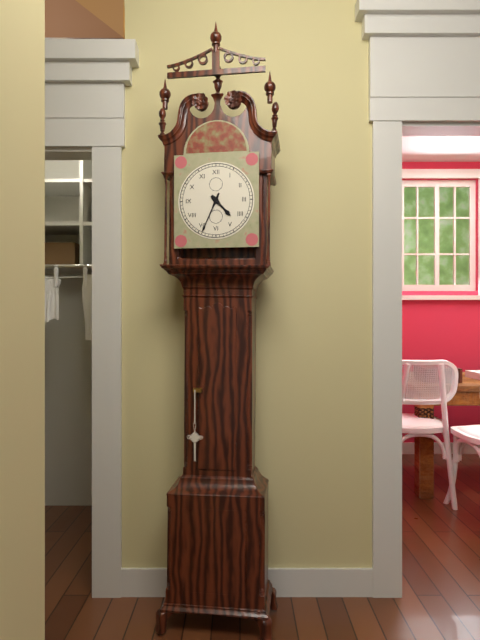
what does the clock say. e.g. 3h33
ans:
4h34
